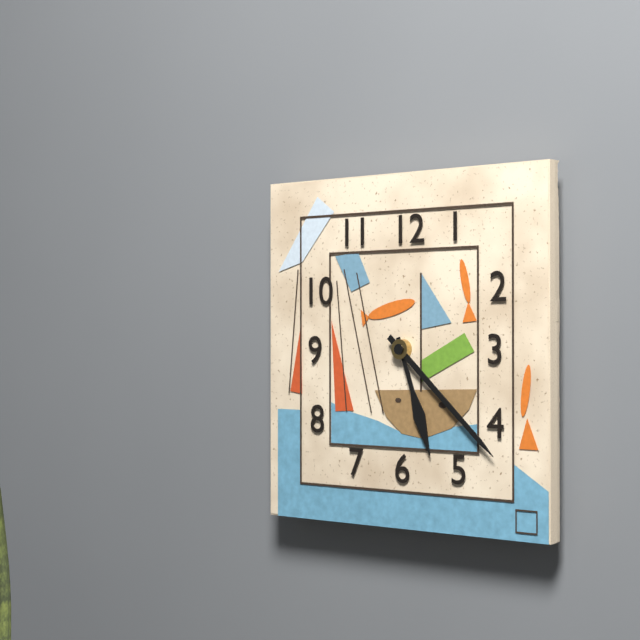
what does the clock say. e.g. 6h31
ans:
5h22
